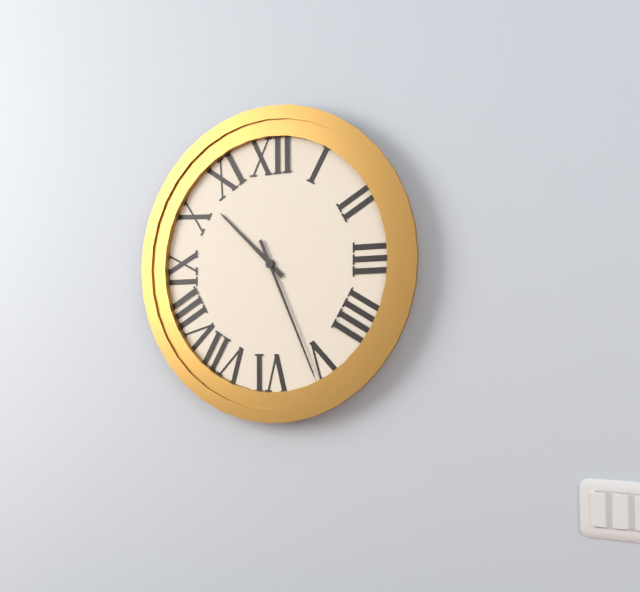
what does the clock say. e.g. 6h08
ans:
10h26
